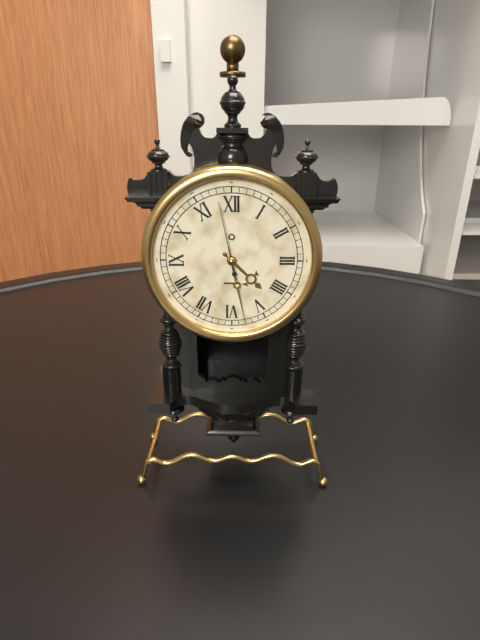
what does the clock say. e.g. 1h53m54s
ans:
4h28m58s
